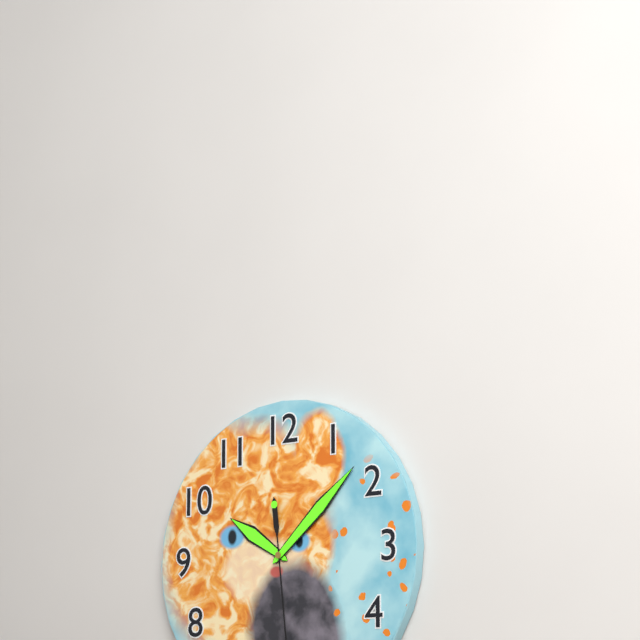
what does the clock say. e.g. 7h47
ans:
10h08
